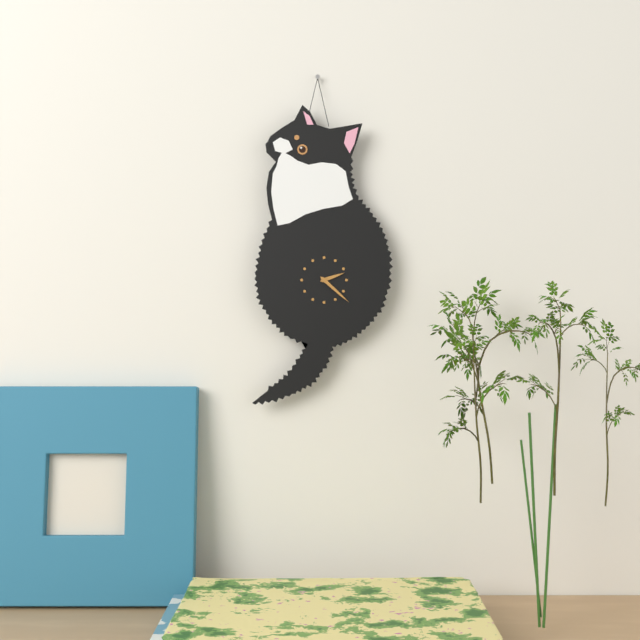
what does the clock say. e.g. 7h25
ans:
2h22
